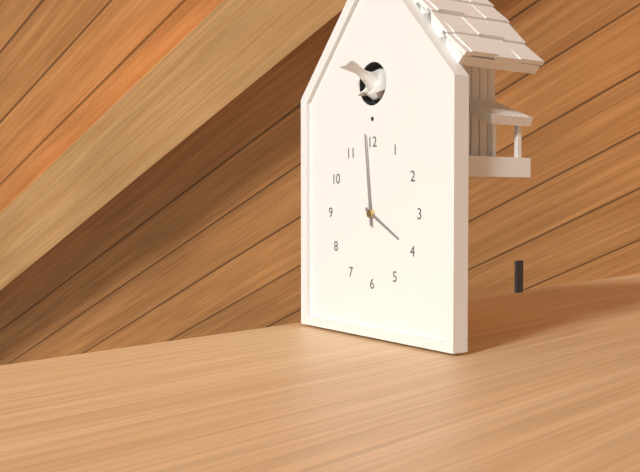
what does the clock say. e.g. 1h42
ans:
3h59
